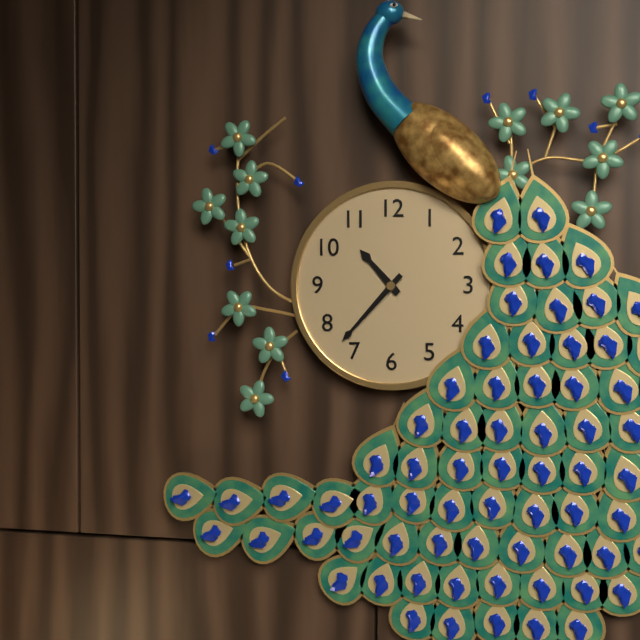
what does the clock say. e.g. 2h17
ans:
10h37
